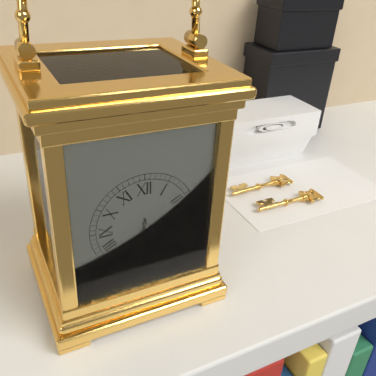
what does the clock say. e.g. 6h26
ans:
6h30
